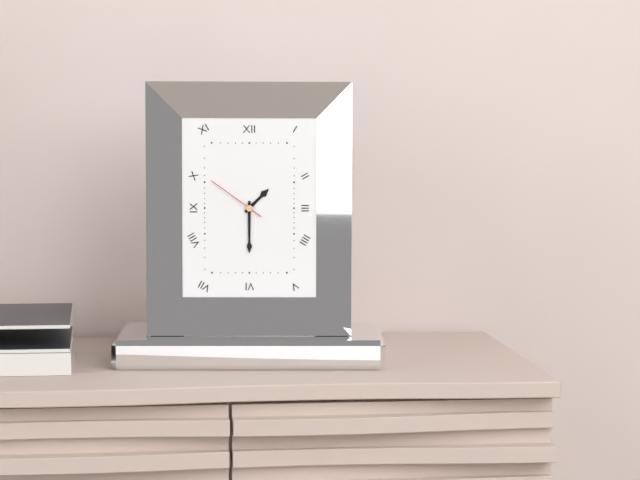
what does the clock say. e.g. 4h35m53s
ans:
1h30m51s
